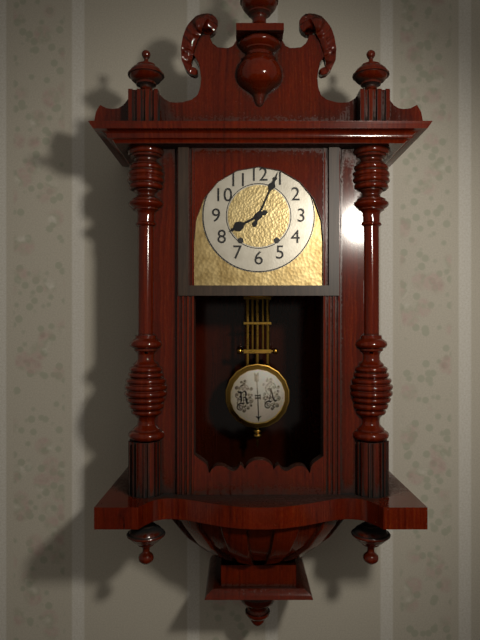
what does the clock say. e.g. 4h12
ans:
8h04
